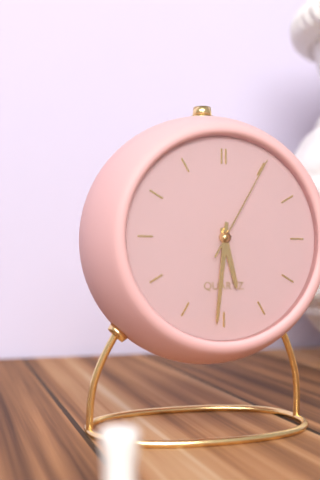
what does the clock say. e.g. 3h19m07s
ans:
5h31m05s
